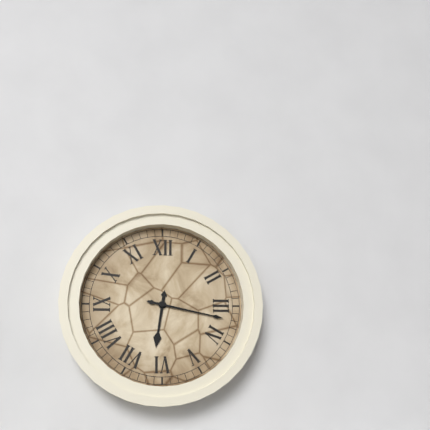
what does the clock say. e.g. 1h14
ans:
6h17
